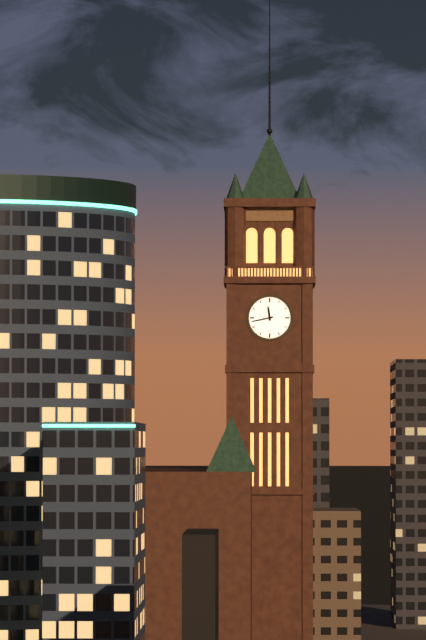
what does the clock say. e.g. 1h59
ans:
11h43
